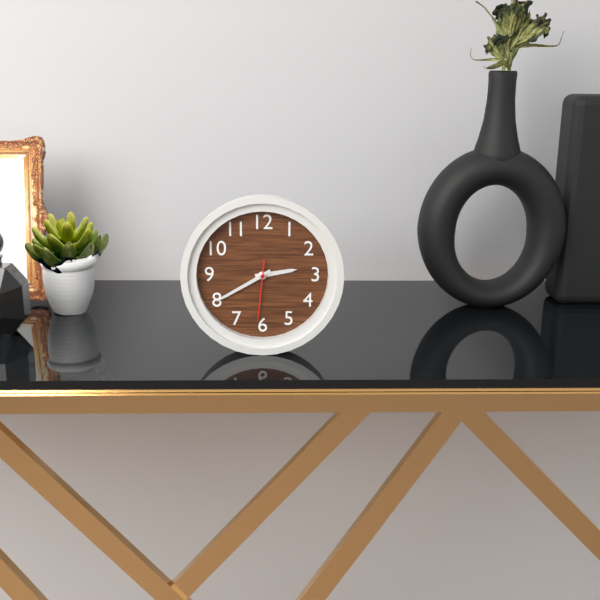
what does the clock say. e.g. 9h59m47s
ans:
2h40m31s
